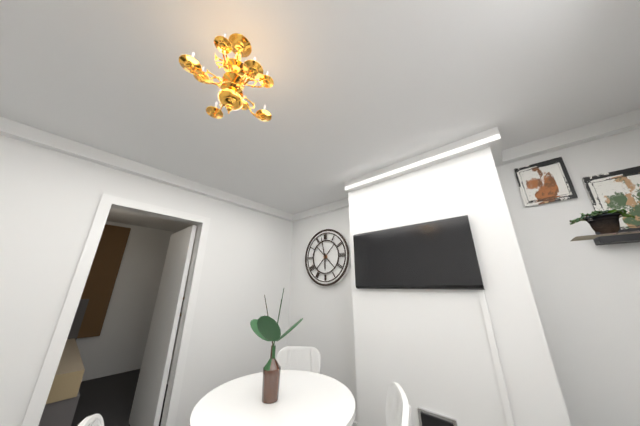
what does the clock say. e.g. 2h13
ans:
5h58
